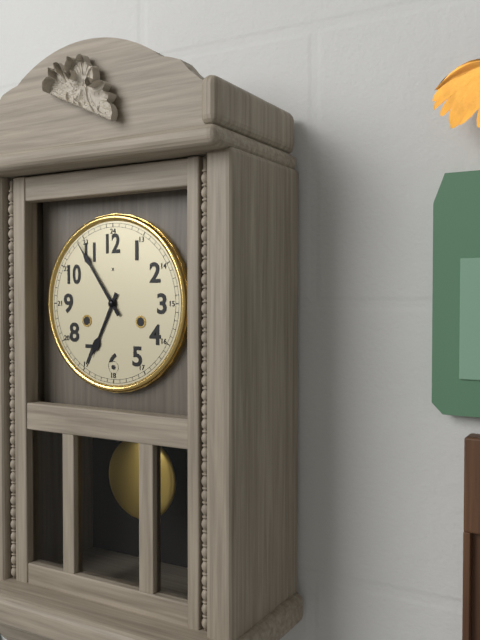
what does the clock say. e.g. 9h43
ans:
6h54
